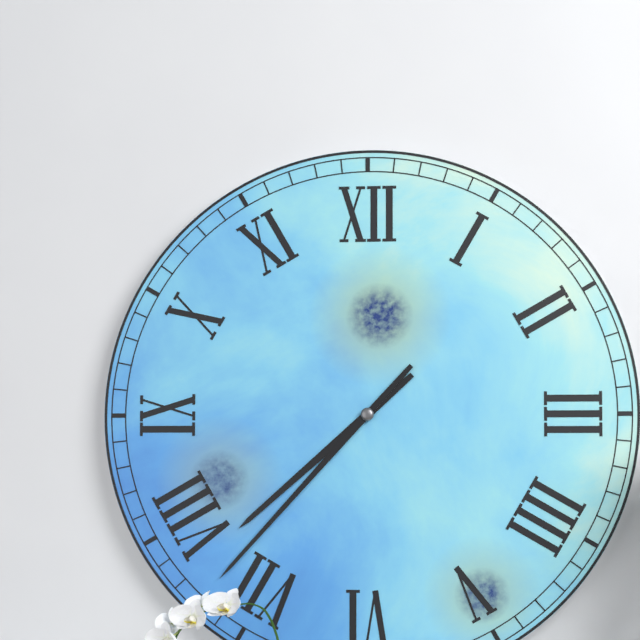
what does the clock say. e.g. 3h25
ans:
7h37
